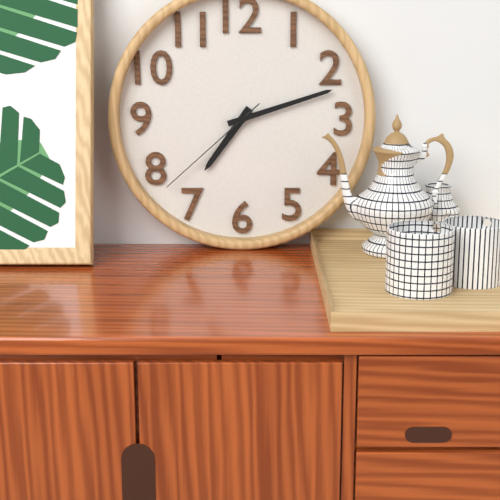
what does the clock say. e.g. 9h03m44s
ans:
7h12m38s
